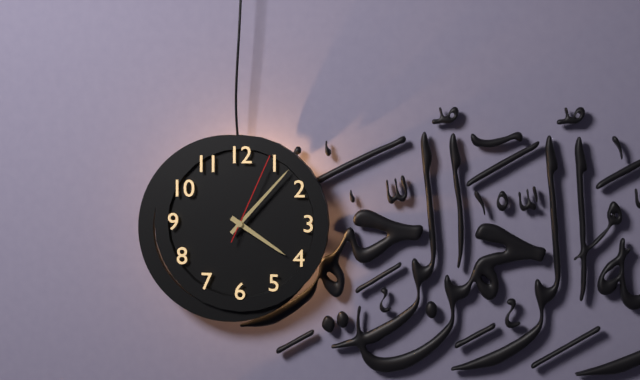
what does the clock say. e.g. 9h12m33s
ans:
4h07m04s
